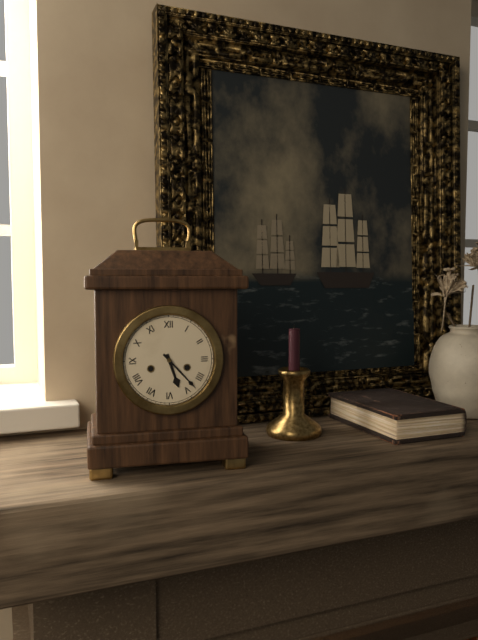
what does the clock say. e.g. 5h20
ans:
5h23
